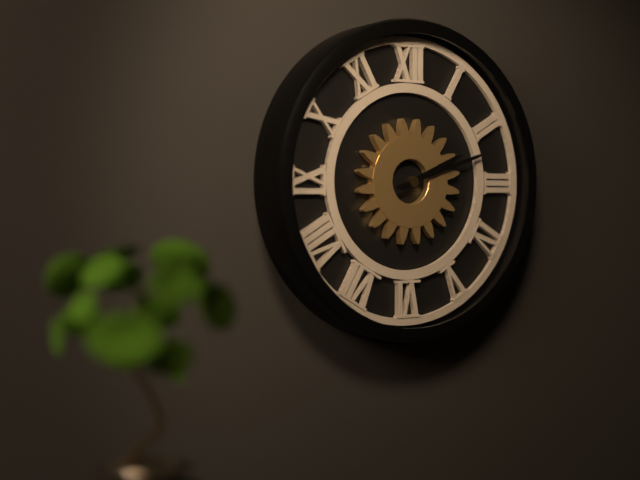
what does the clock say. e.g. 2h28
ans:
2h12
